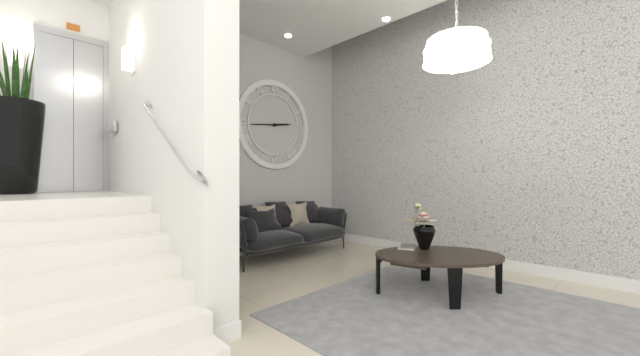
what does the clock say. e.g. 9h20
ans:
2h44
